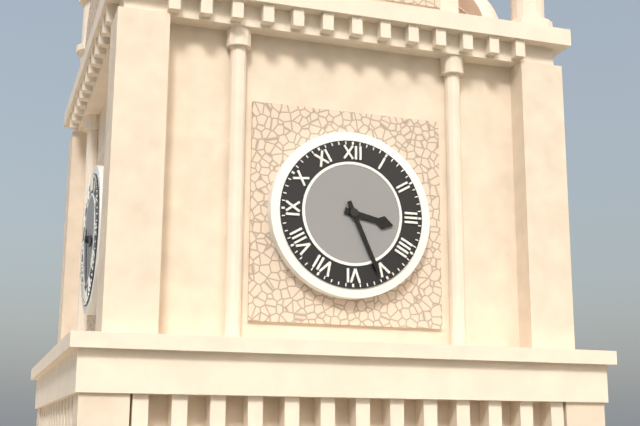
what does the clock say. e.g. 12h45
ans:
3h26
